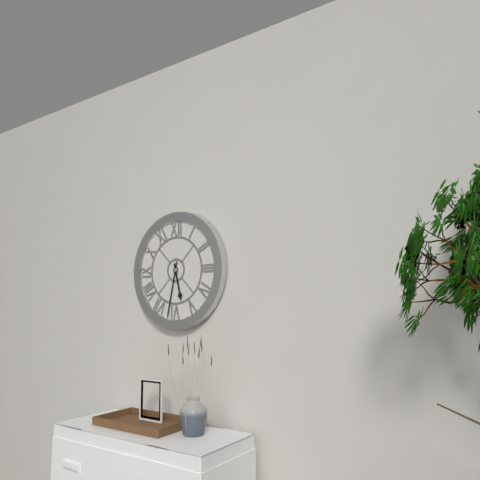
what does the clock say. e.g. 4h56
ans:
5h32
